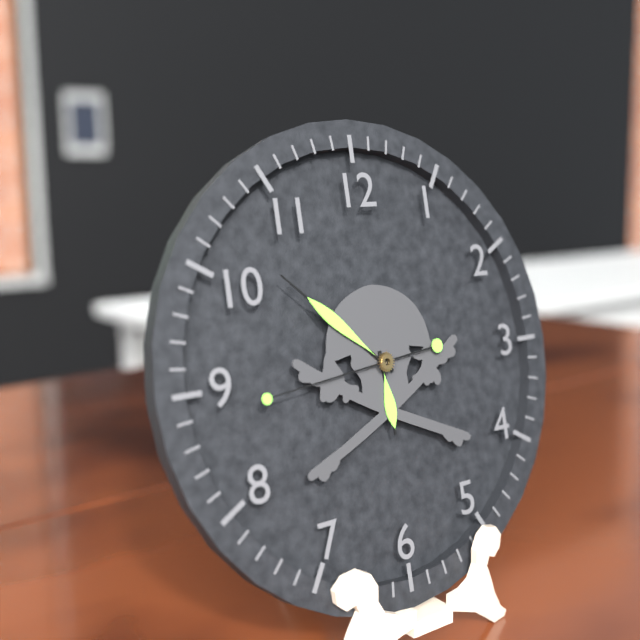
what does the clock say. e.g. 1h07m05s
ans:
5h52m44s
